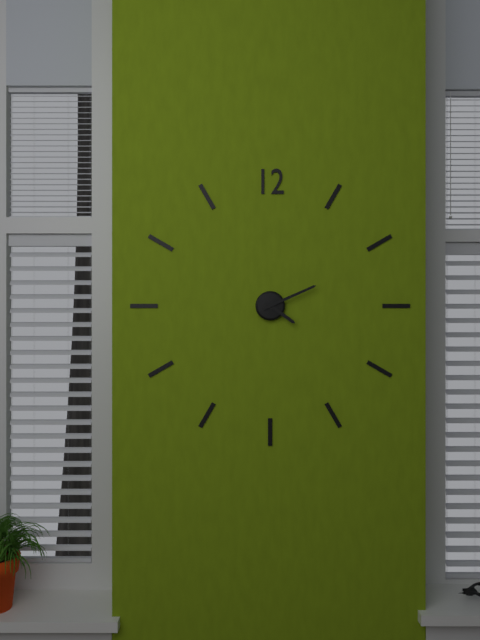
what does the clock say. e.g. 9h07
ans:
4h11
